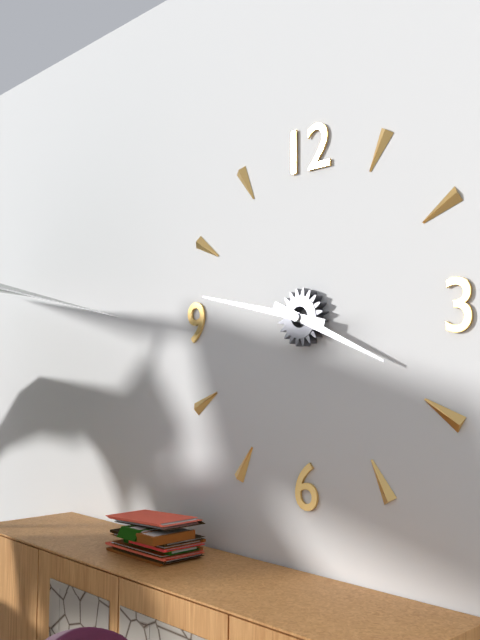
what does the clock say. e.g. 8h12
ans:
3h47
